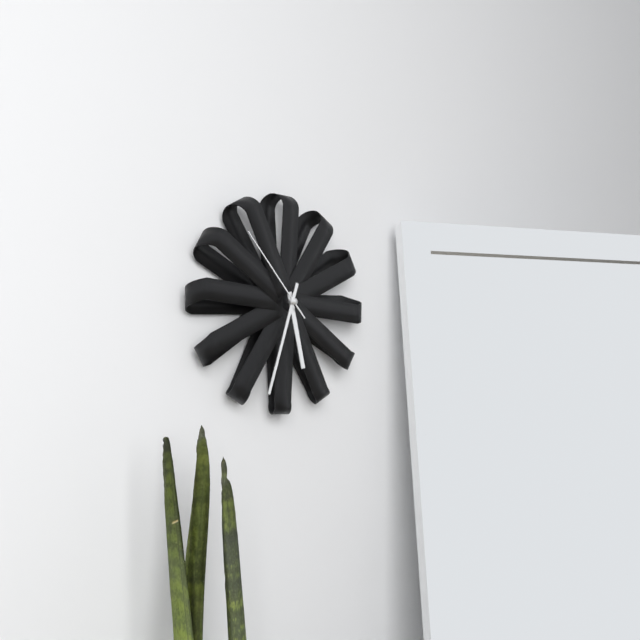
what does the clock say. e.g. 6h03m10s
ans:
5h33m53s
